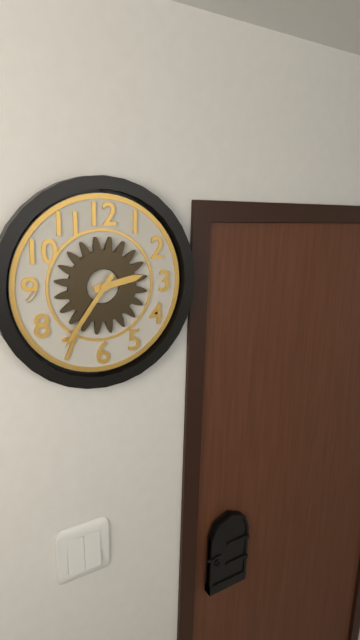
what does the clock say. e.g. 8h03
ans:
2h36
